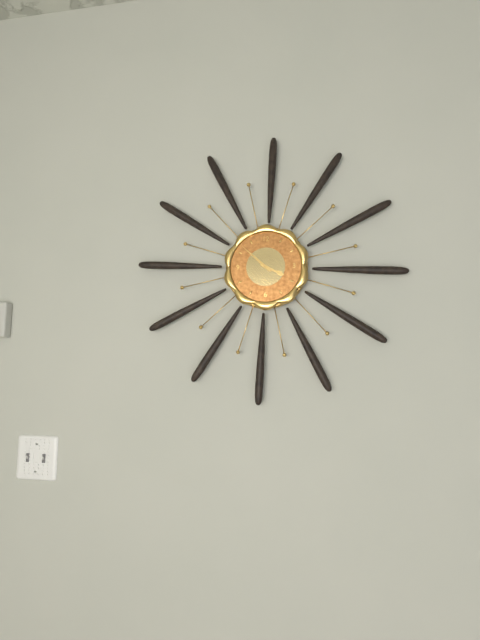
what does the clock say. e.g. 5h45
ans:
3h52
